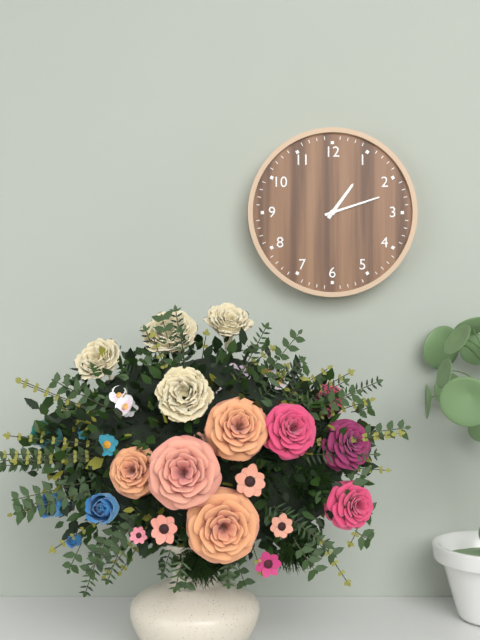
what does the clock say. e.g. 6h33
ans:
1h12
